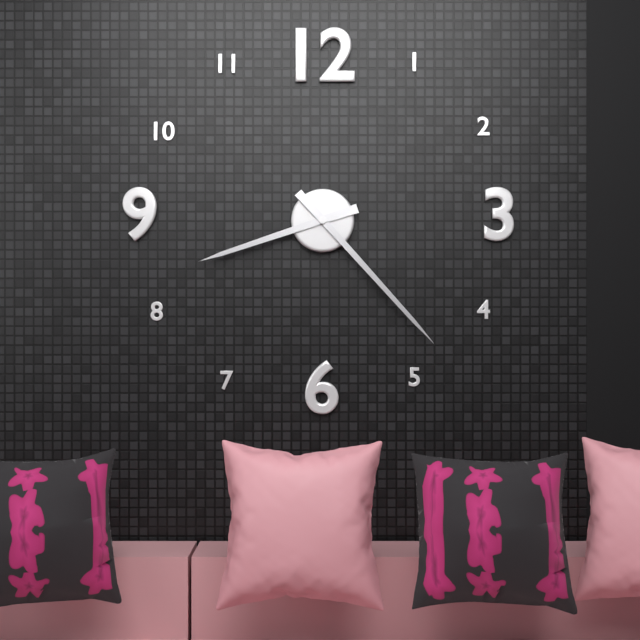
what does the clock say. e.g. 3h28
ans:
8h23
